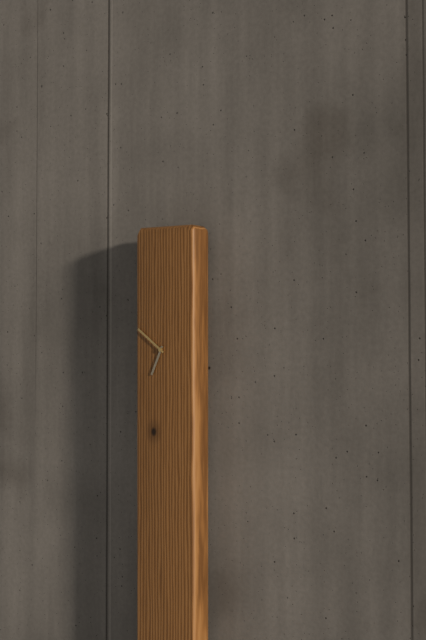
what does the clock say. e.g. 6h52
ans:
6h51
